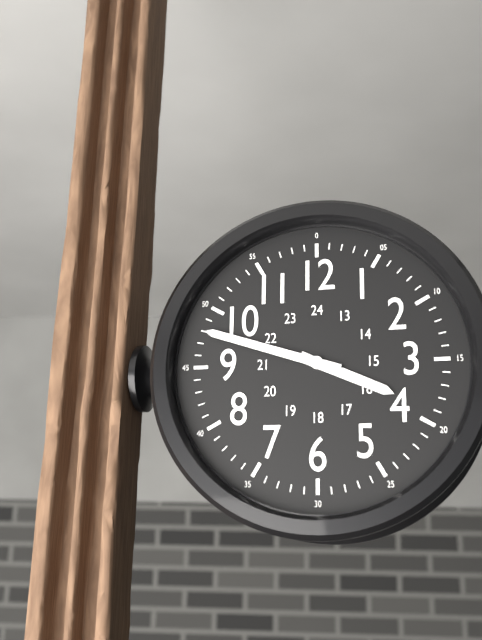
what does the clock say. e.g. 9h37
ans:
3h48
